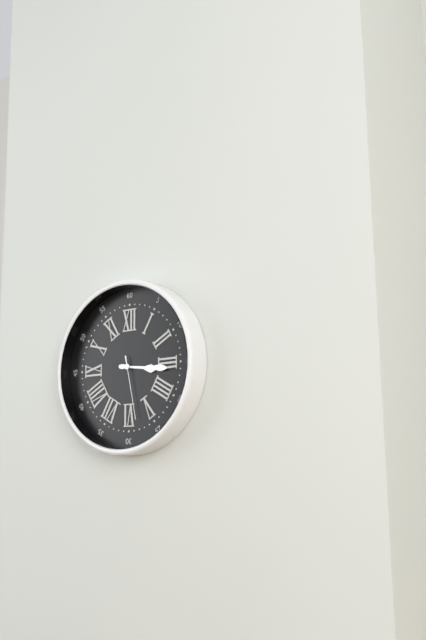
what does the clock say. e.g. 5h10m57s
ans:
3h16m28s
